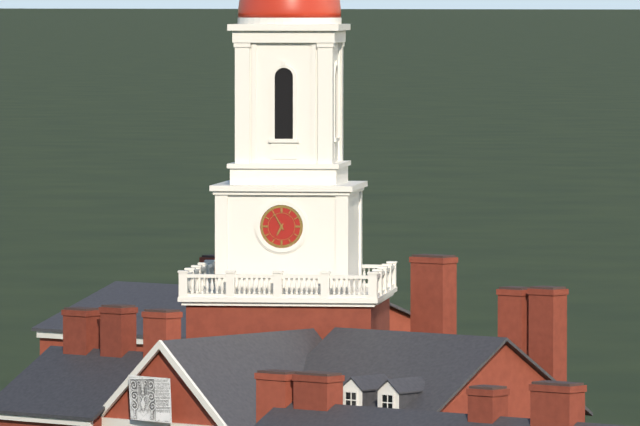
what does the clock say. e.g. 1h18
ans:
6h55
